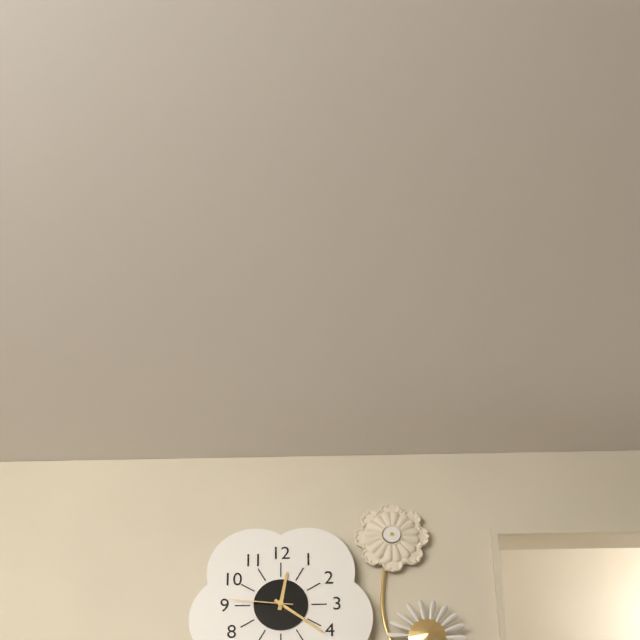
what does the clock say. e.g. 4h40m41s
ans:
12h21m46s
